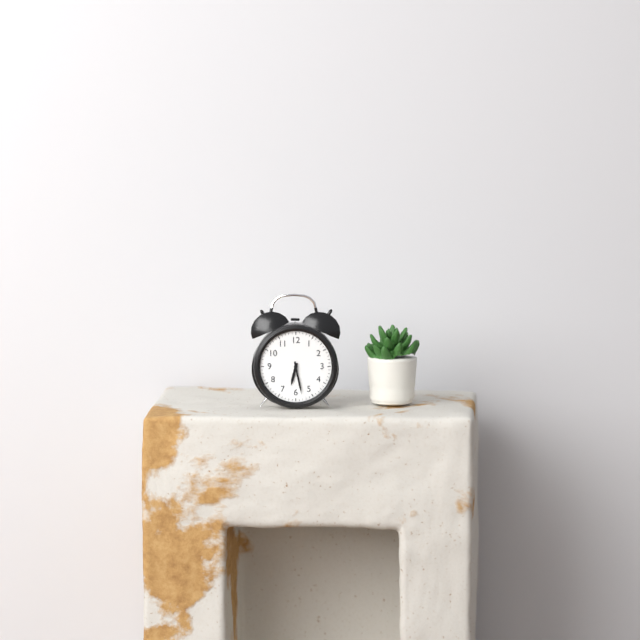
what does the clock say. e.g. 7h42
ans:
6h28
